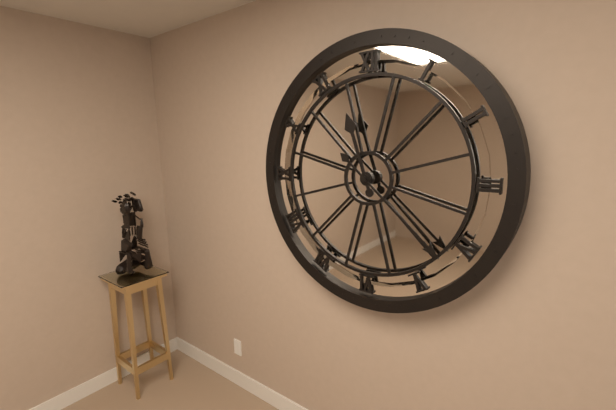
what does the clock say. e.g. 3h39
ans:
11h22
